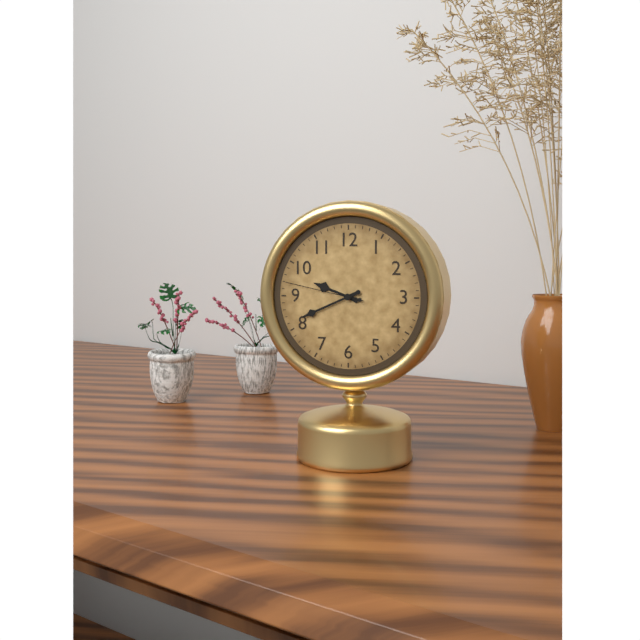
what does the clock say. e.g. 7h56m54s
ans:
9h41m47s
